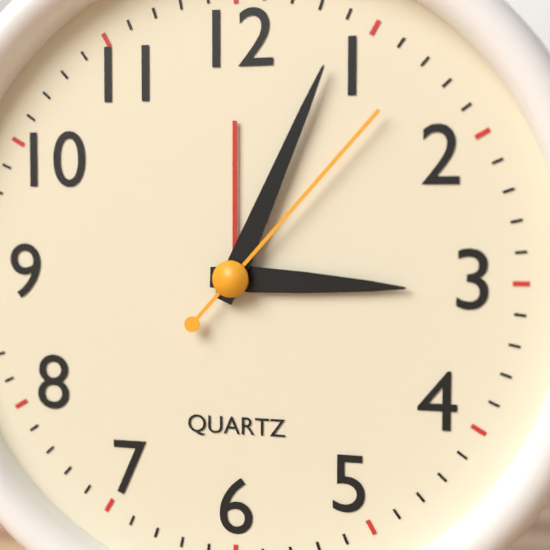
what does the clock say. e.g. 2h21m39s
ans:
3h04m07s
